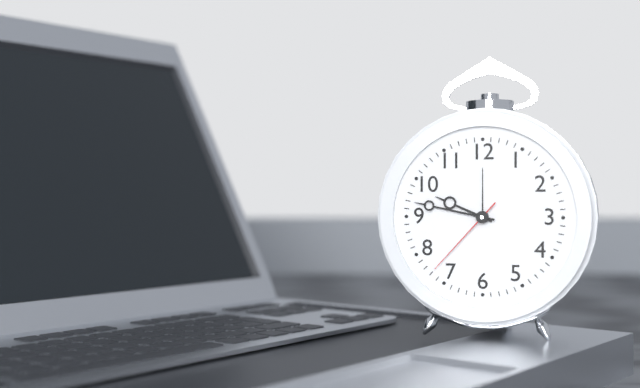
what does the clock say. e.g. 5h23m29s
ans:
9h47m37s
